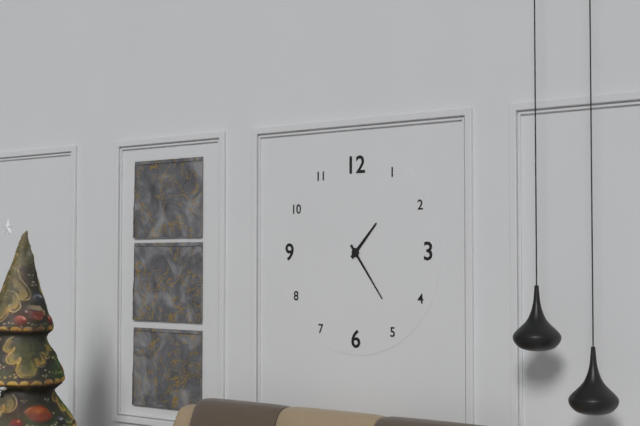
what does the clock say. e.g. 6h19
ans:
1h24
